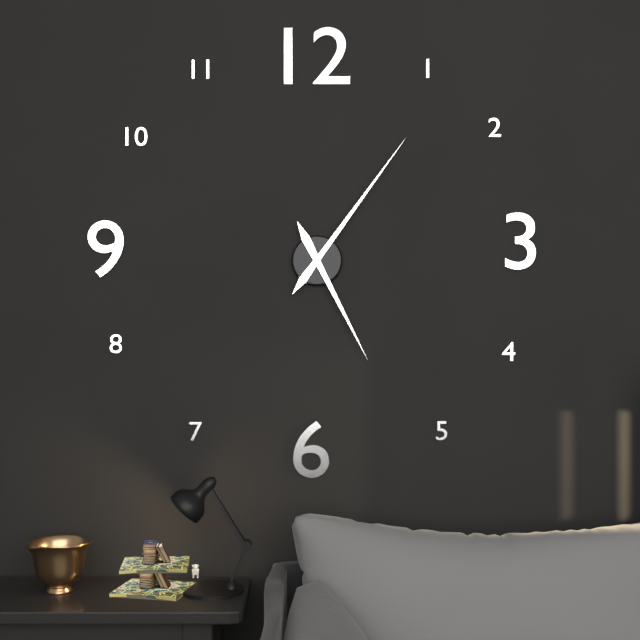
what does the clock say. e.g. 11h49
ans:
5h06
